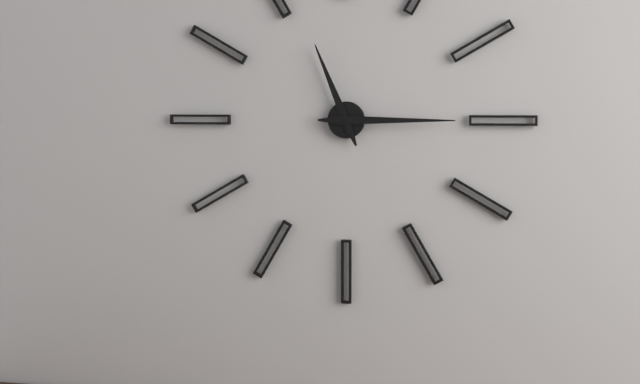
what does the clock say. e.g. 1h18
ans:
11h15
